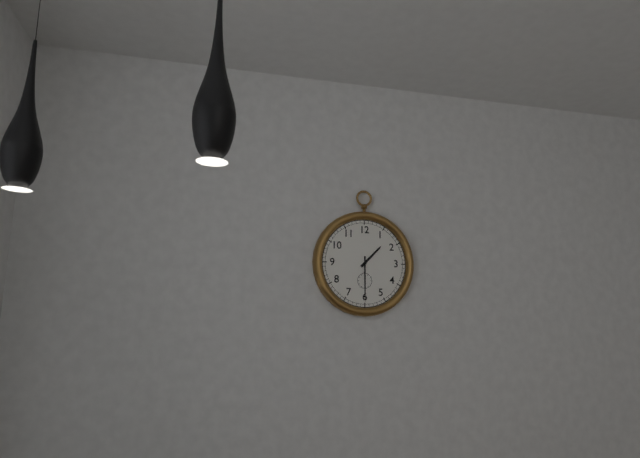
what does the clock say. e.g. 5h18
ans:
1h30
